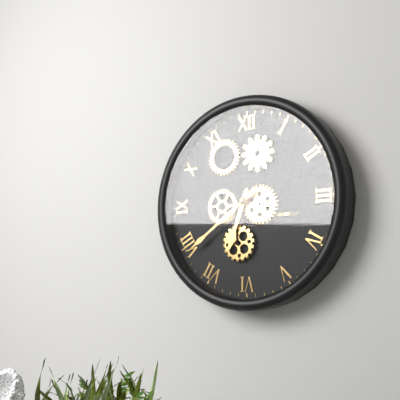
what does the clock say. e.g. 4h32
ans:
6h39
